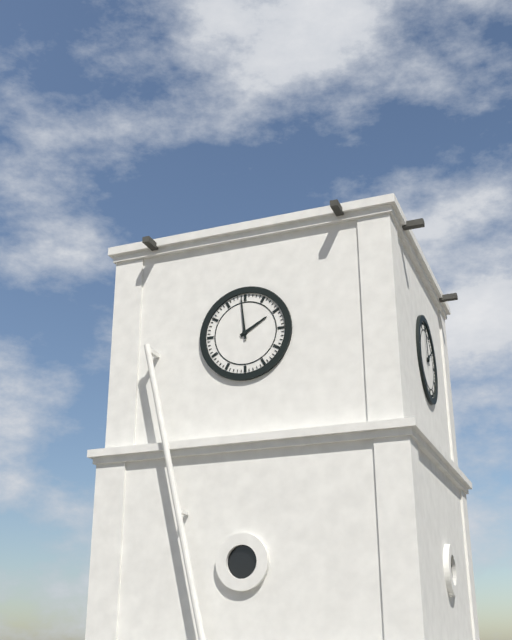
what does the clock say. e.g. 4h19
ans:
1h59
